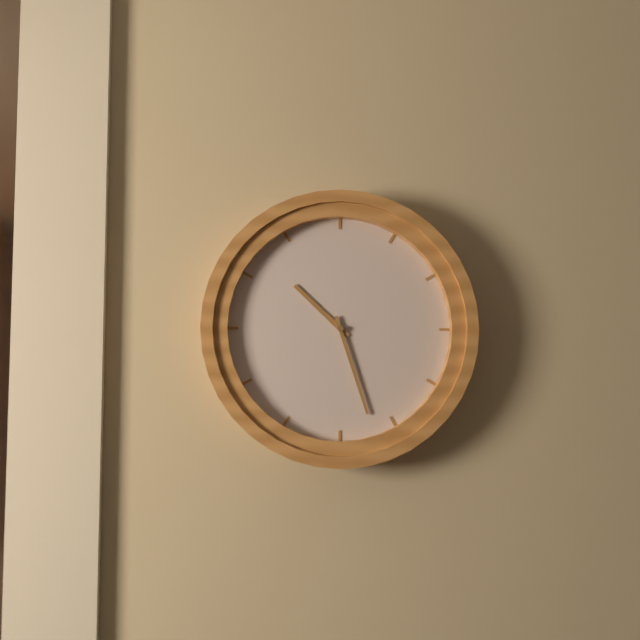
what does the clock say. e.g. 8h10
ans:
10h27
